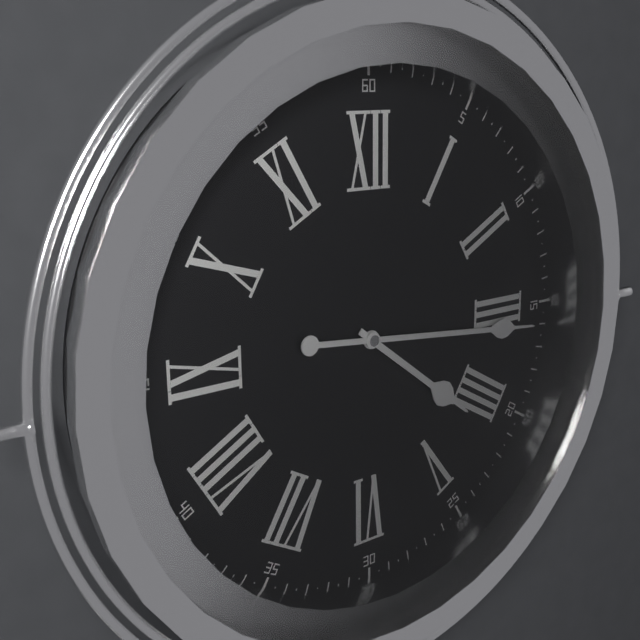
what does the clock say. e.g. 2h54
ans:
4h16
